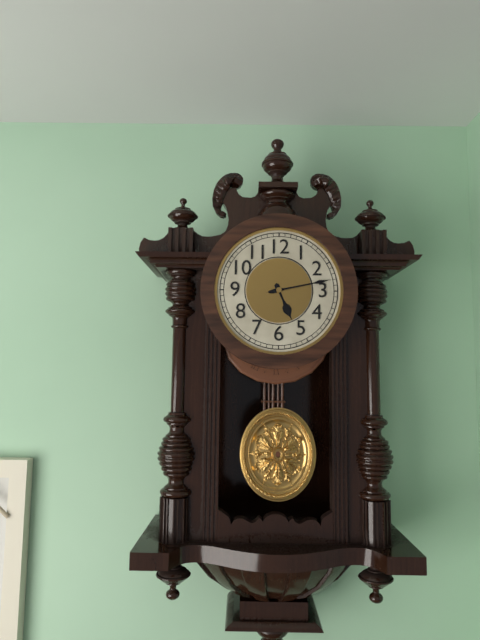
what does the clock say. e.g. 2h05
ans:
5h13
